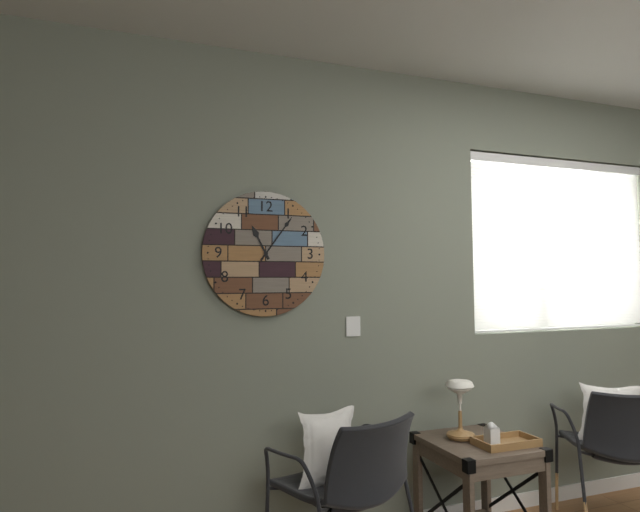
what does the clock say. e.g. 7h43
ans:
11h06
